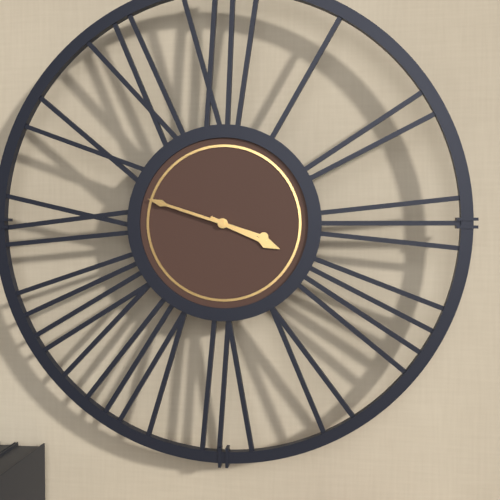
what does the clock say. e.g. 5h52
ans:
3h48
